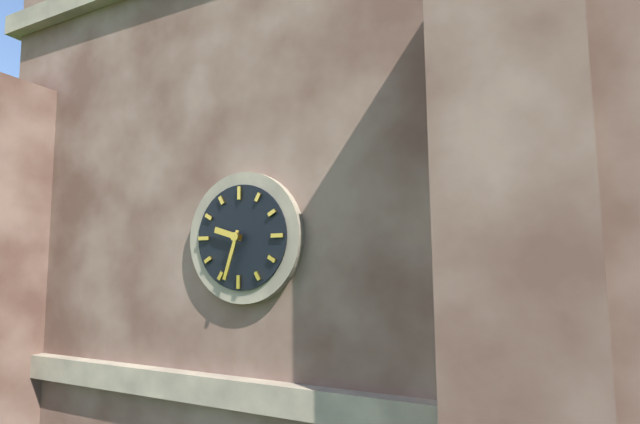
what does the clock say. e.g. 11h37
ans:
9h33
